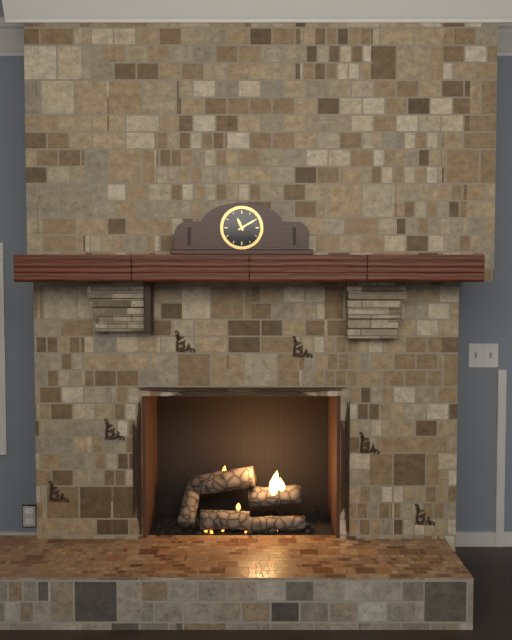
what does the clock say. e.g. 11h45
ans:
11h10
